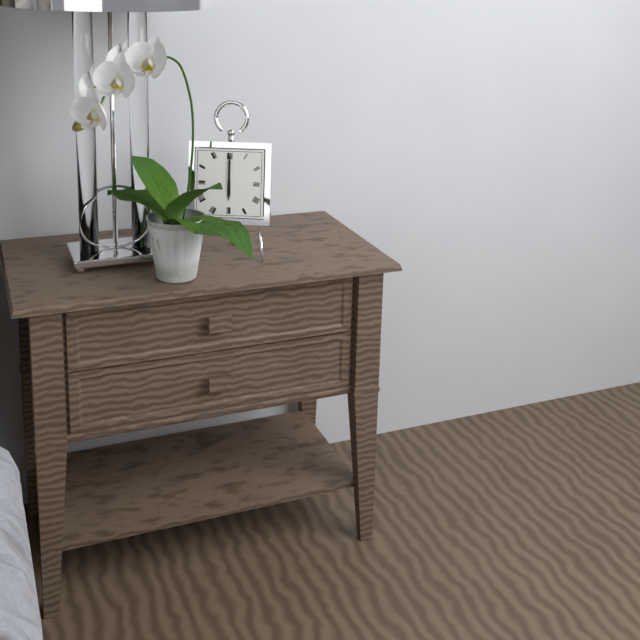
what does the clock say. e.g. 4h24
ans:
6h00
